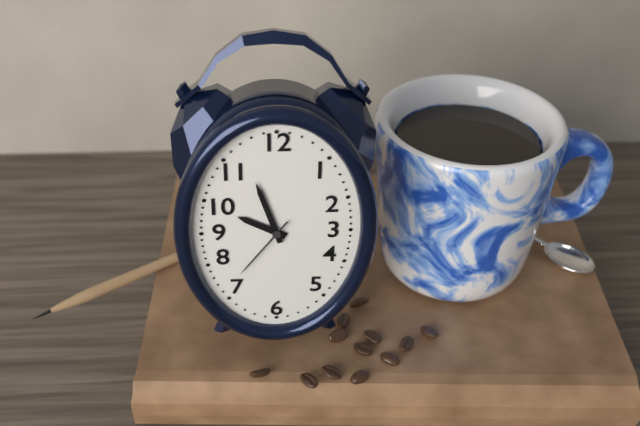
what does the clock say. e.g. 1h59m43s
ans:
9h57m36s
